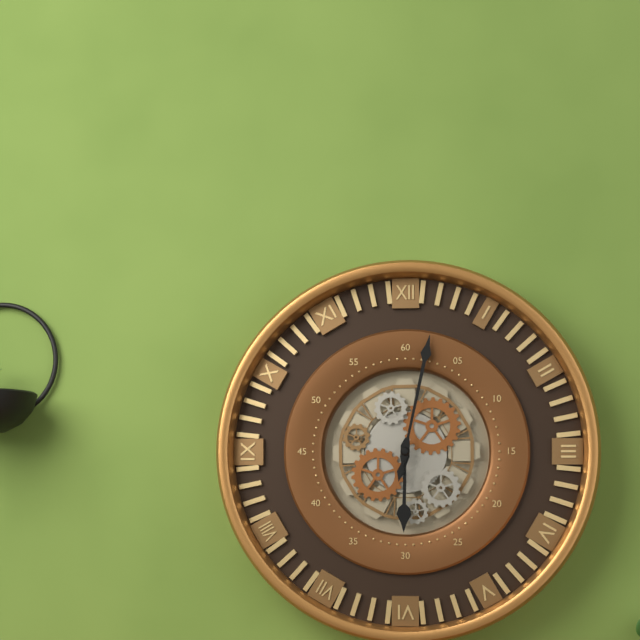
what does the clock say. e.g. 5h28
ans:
6h02
